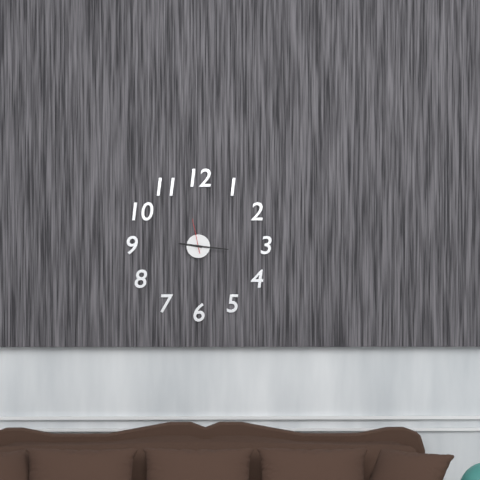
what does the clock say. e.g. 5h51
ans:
9h16
